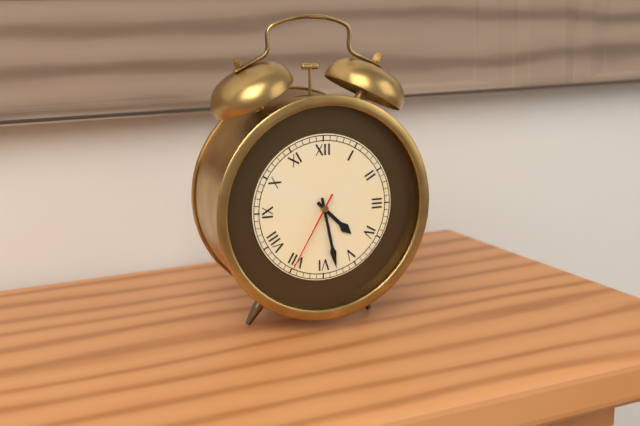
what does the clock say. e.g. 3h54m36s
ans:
4h28m35s
